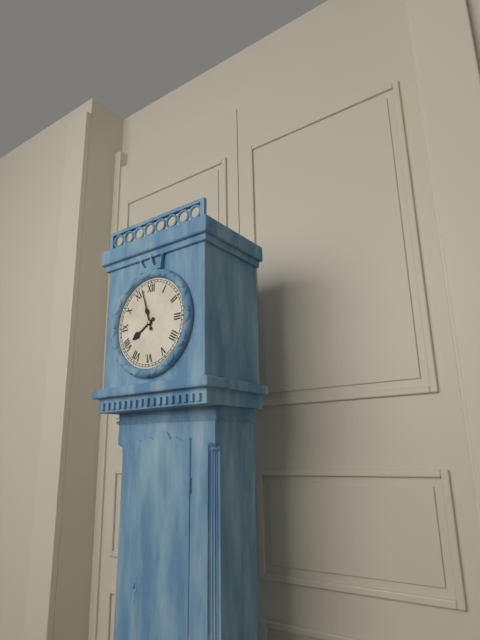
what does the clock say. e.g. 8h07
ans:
7h57
